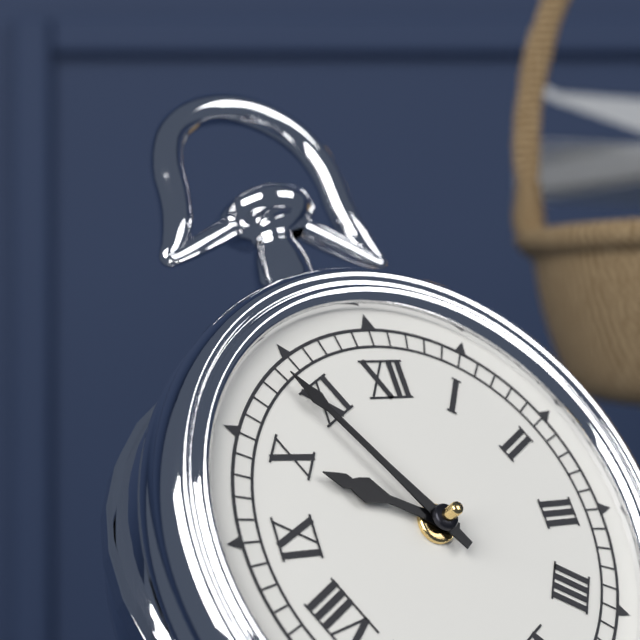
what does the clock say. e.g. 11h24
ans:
9h54
